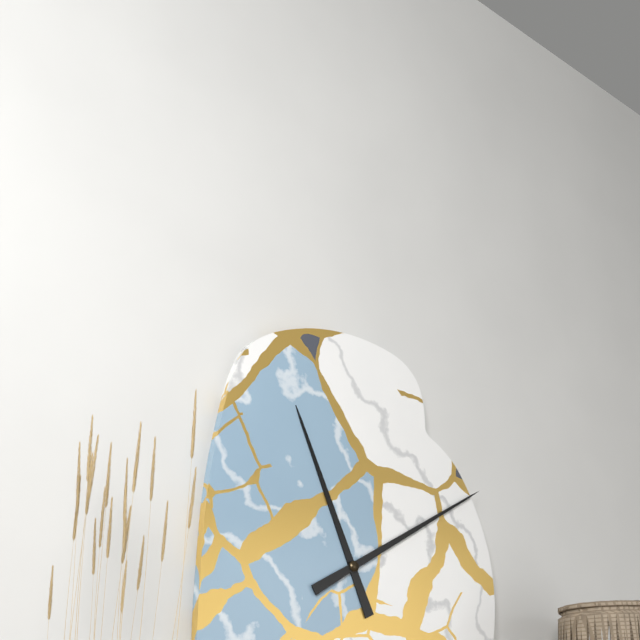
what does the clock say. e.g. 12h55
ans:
11h10
